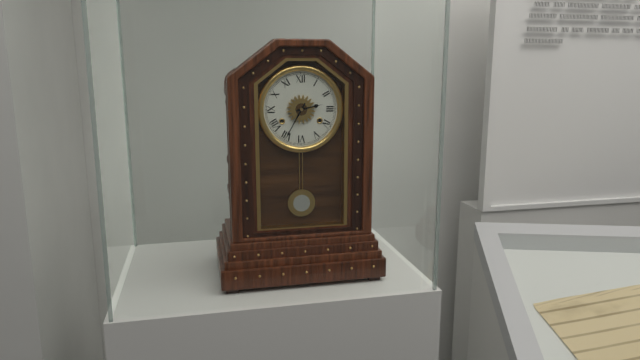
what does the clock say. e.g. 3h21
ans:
2h35
